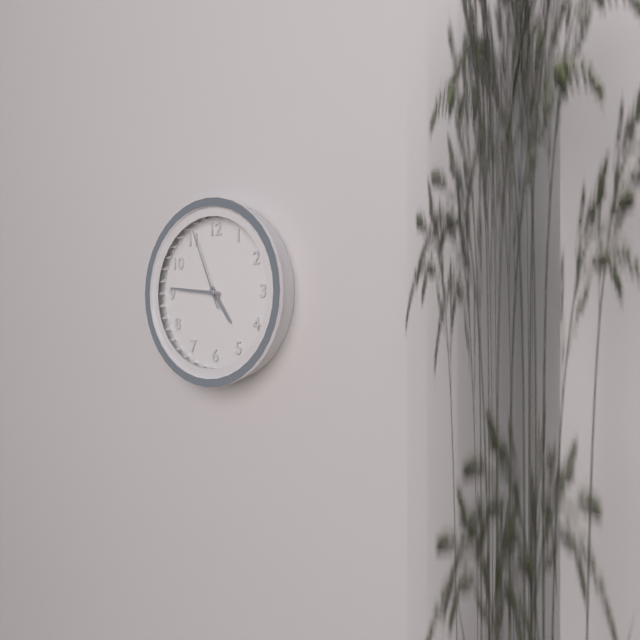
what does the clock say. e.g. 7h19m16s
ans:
4h46m56s
